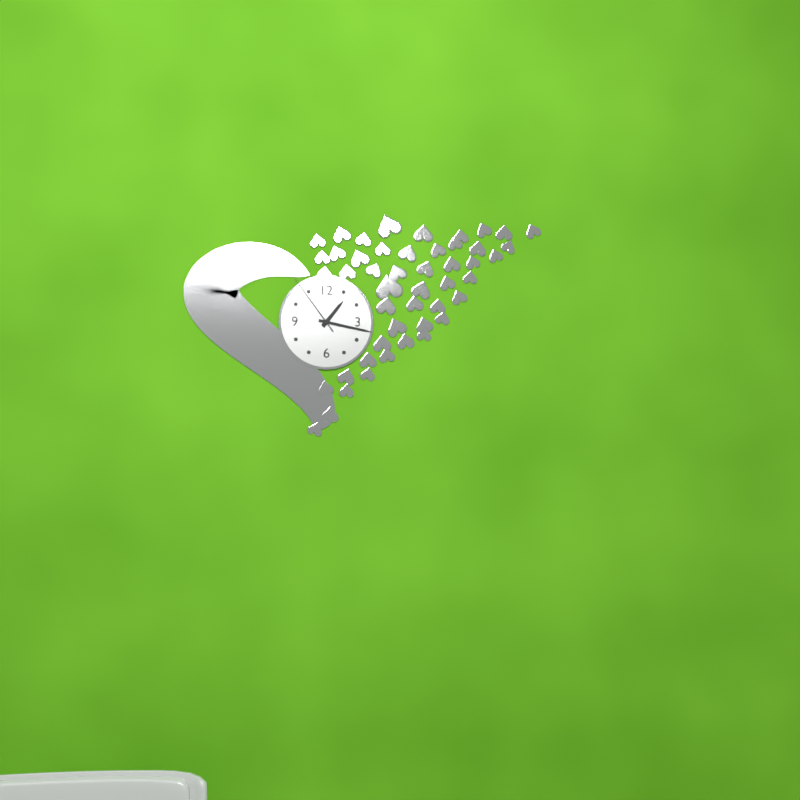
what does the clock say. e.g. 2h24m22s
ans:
1h17m54s
